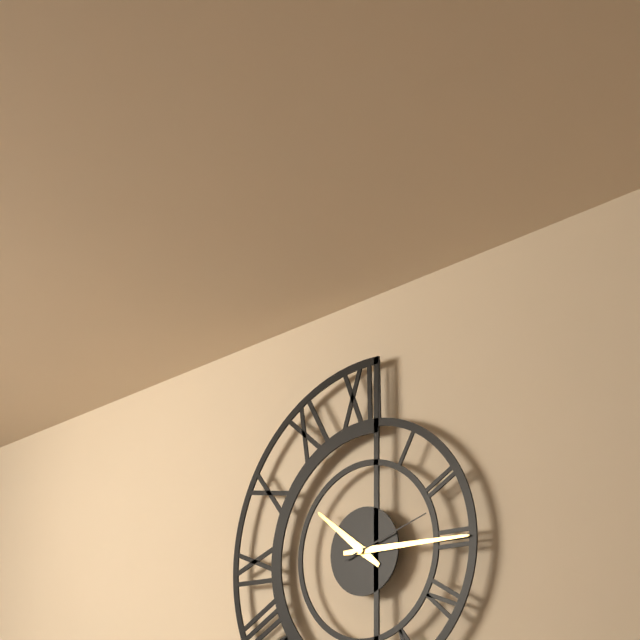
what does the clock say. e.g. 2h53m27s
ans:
10h15m12s
